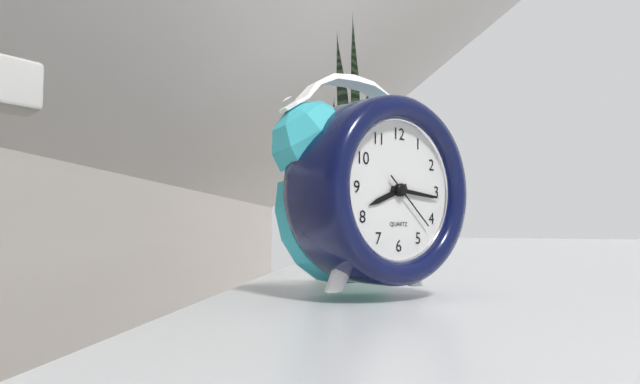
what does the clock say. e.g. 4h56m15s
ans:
8h16m22s
